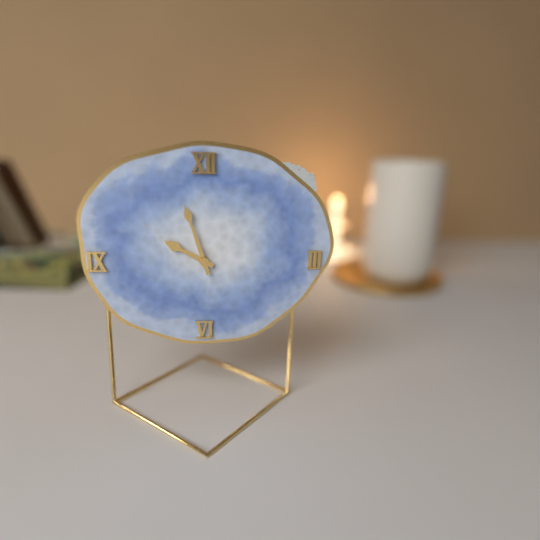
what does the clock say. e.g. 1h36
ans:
9h57
